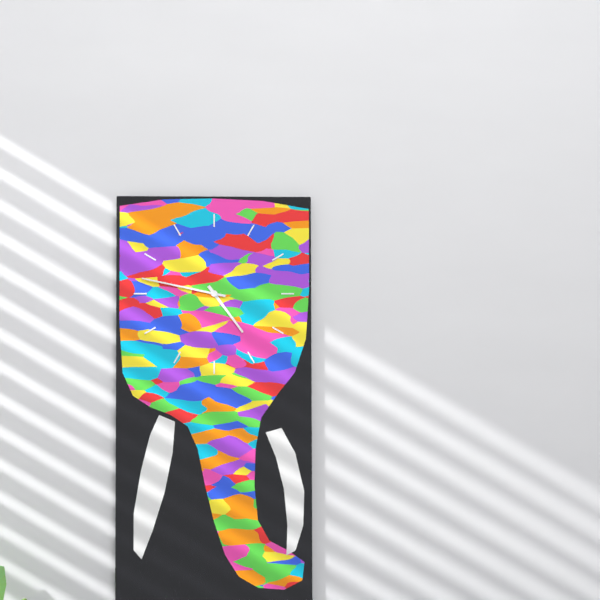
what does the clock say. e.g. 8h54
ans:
4h47
